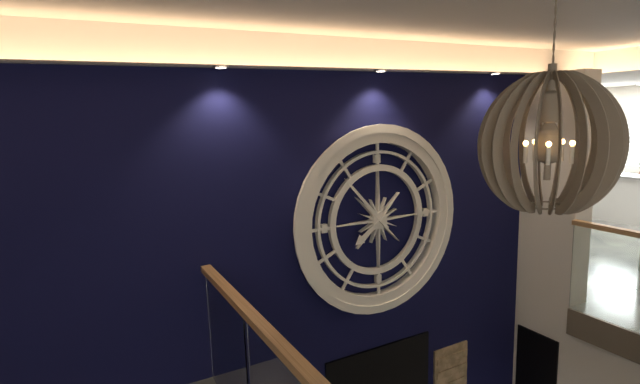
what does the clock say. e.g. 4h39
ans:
7h53
